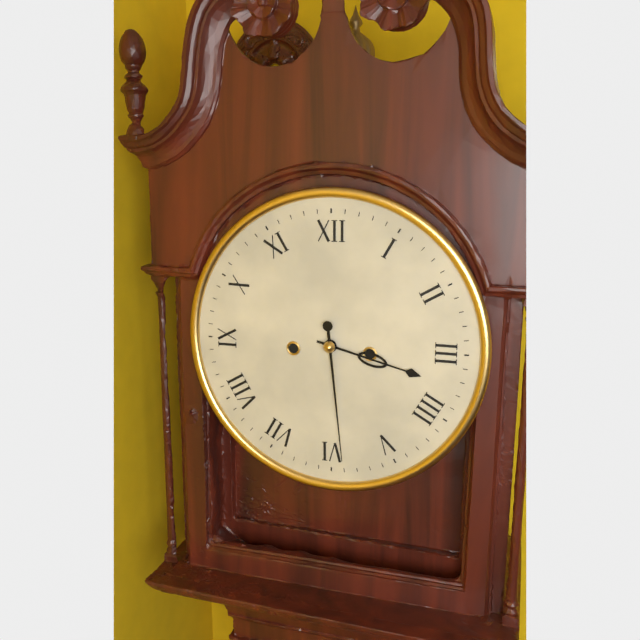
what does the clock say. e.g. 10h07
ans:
3h29
